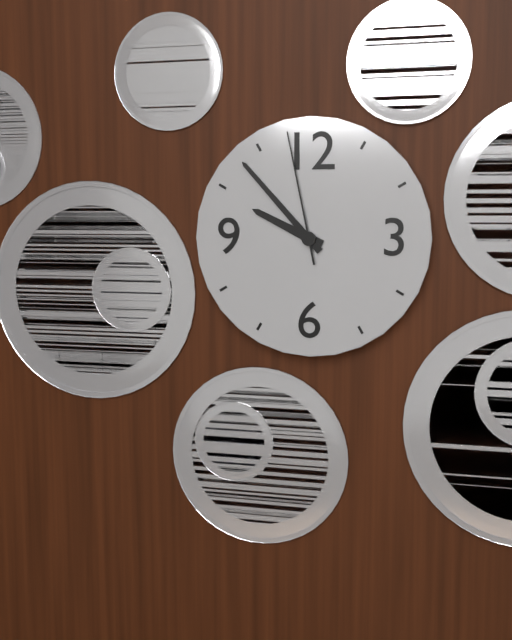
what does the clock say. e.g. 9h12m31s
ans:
9h53m58s
